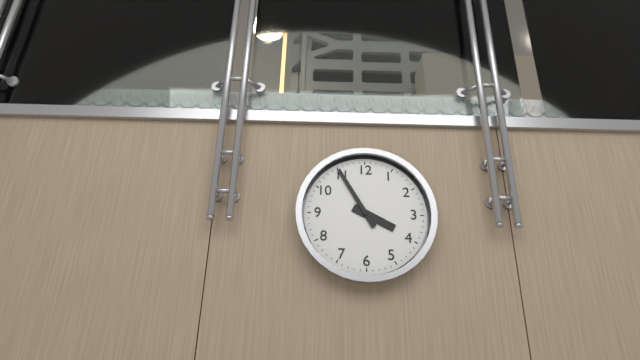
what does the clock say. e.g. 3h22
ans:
3h55
